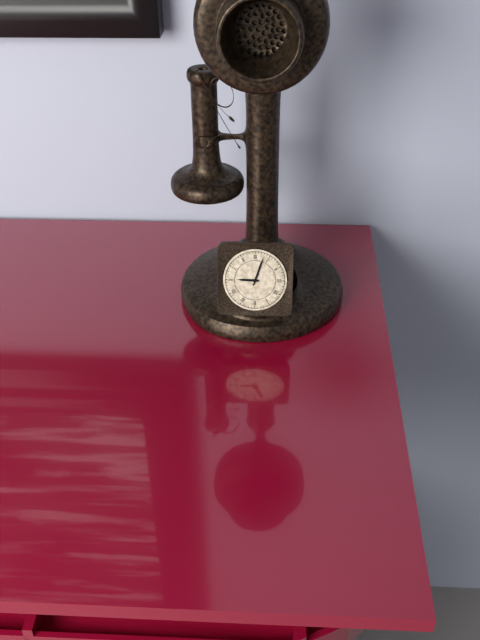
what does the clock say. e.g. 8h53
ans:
9h03
